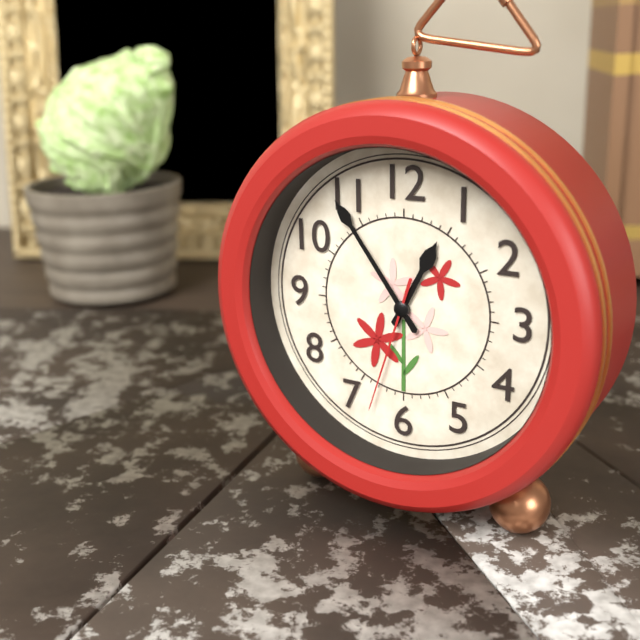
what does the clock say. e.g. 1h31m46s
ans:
12h54m33s
